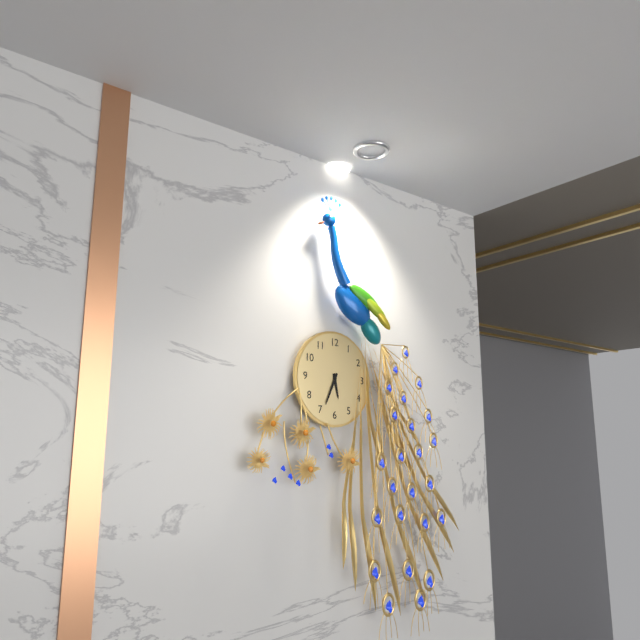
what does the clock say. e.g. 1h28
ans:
5h34
